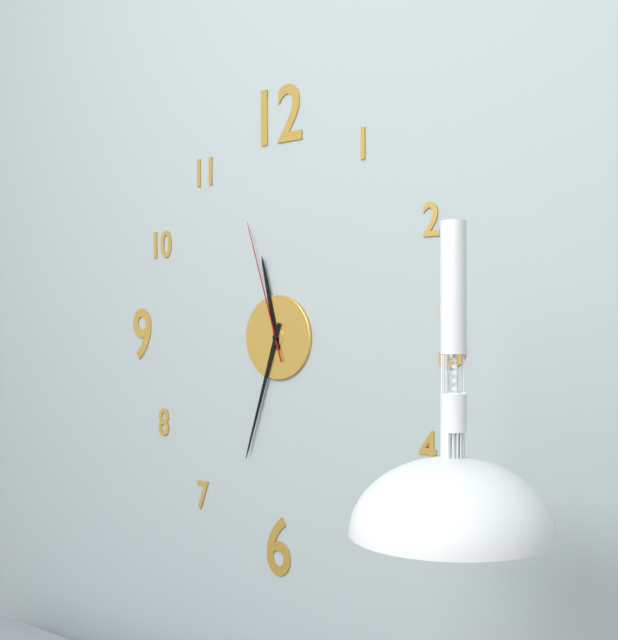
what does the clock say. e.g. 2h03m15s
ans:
11h33m57s
